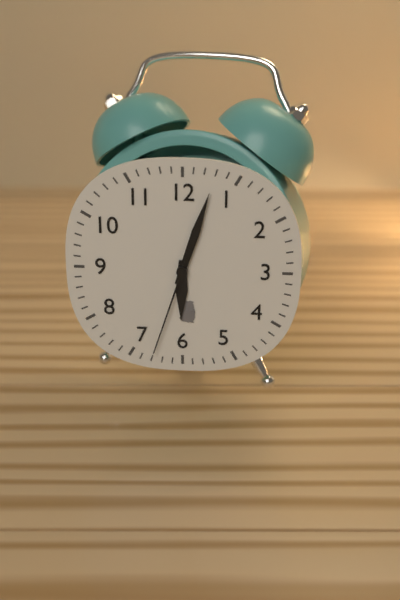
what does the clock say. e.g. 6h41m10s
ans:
6h03m33s
